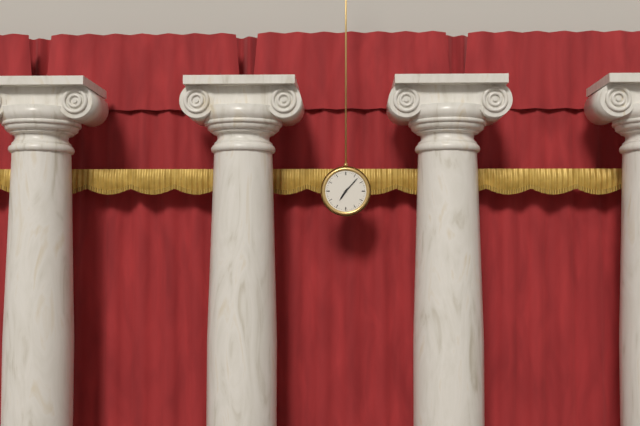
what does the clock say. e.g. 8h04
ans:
7h07
